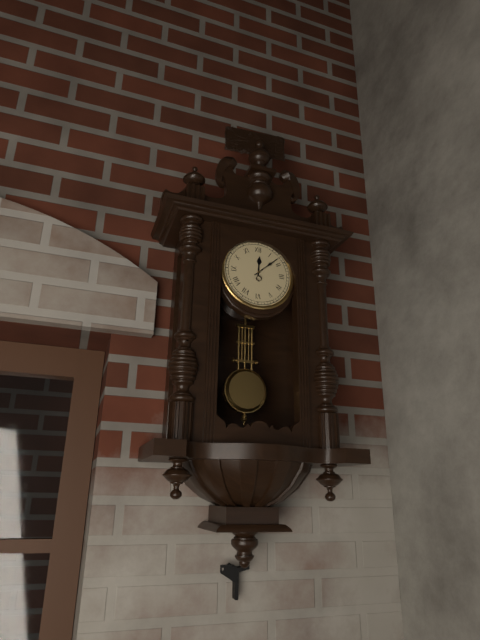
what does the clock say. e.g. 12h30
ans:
12h08
